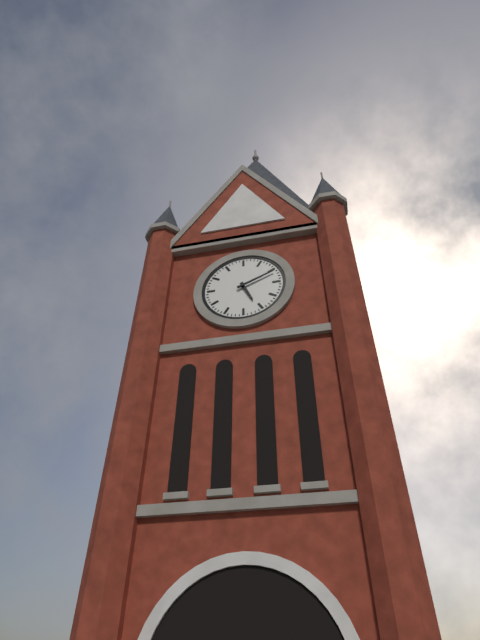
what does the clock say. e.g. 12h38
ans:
5h11
